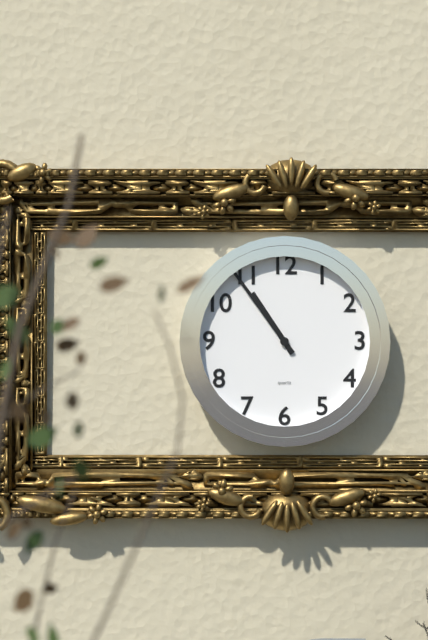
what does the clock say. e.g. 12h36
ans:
10h54
